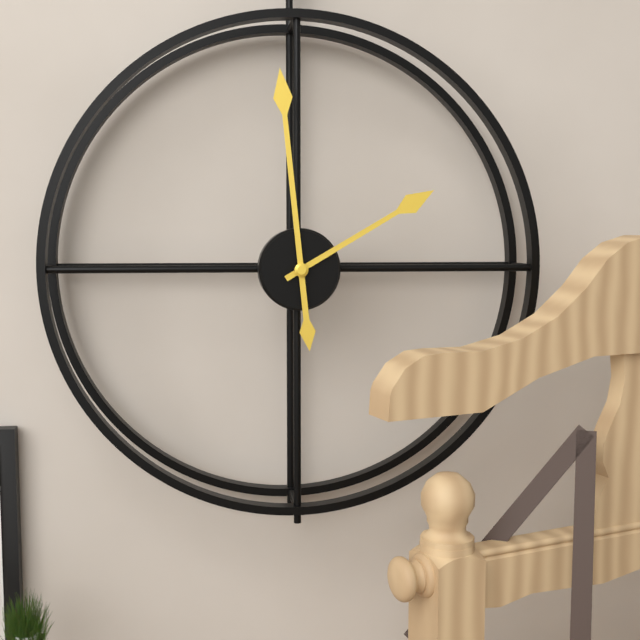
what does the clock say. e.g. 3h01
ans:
1h59
